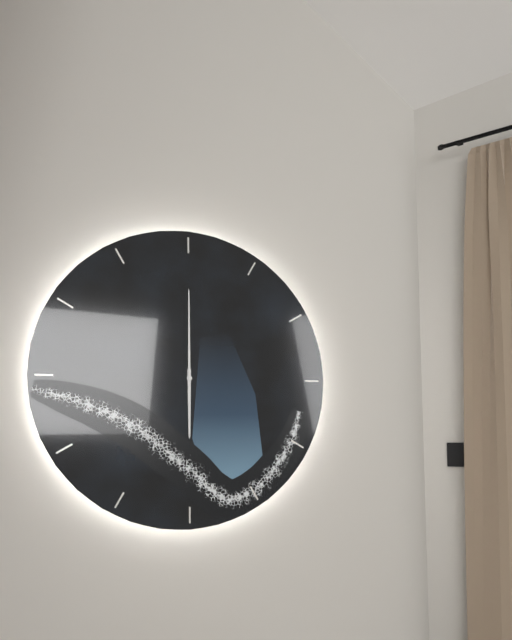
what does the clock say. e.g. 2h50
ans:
6h00
